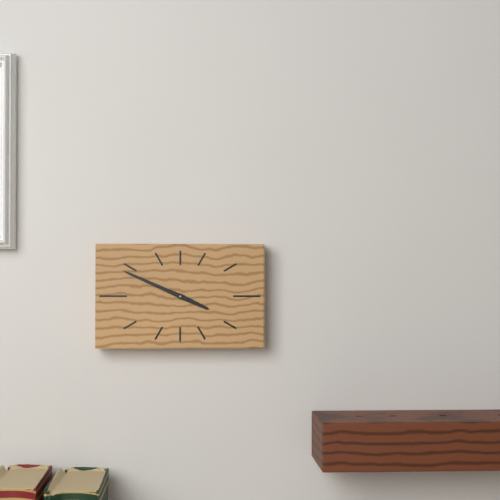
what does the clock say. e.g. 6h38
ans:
3h49
